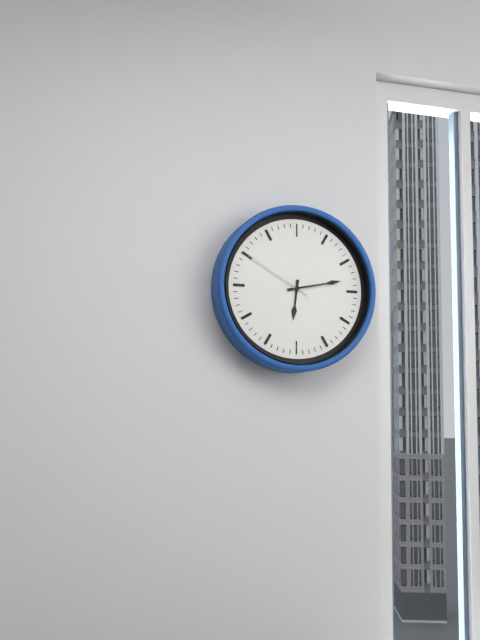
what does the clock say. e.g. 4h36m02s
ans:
6h13m50s
